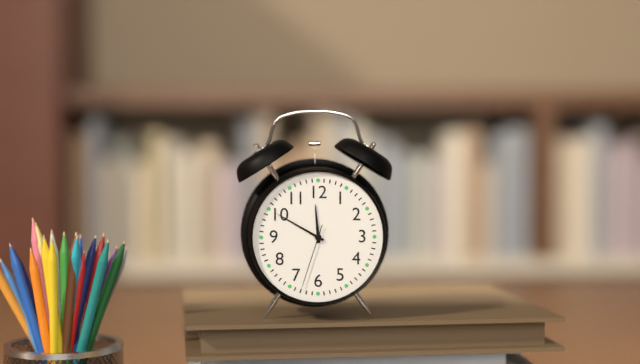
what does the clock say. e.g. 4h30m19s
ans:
11h50m33s
